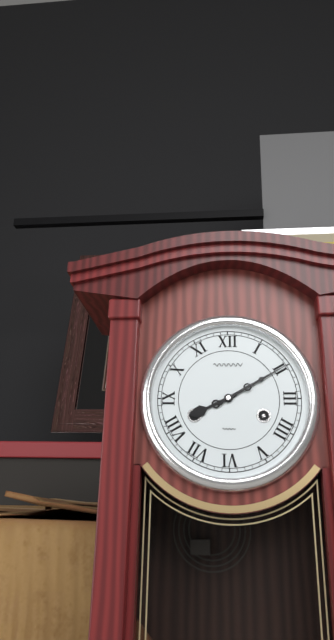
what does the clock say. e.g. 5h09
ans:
8h10
